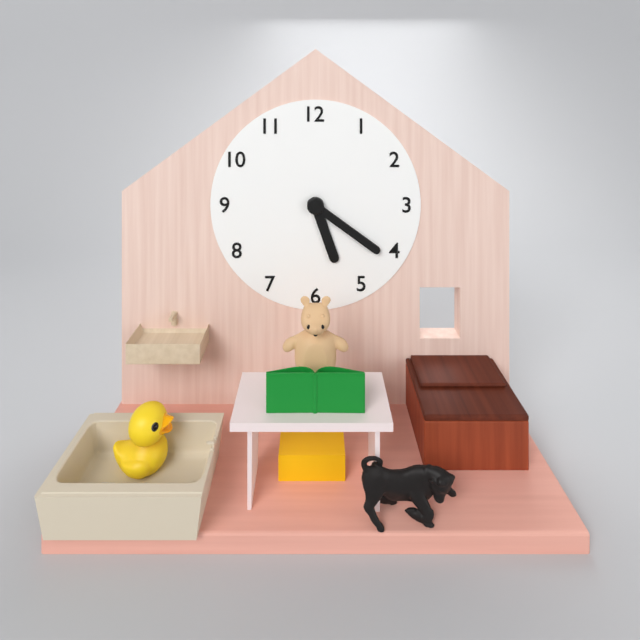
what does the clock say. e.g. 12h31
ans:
5h21
